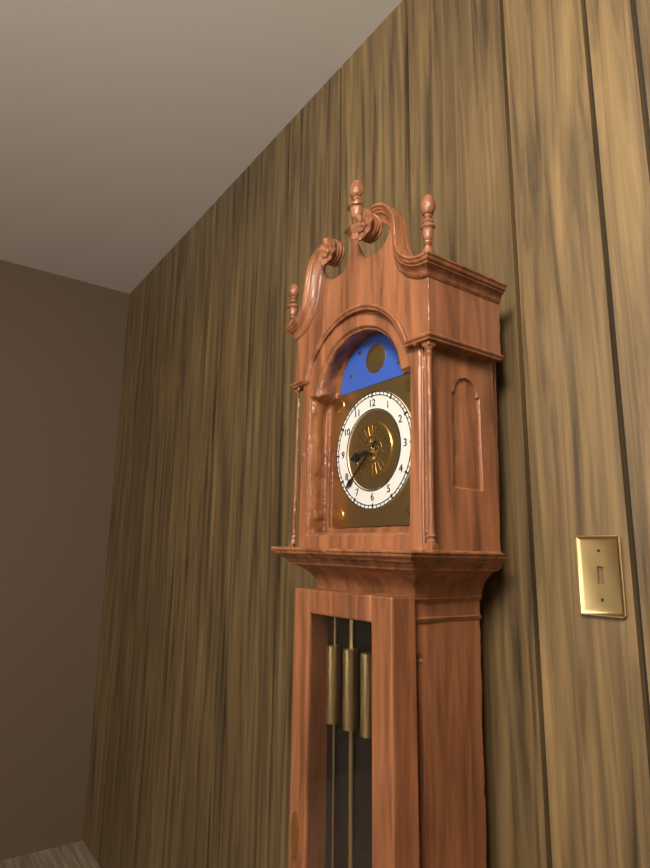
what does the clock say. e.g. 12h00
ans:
8h38
